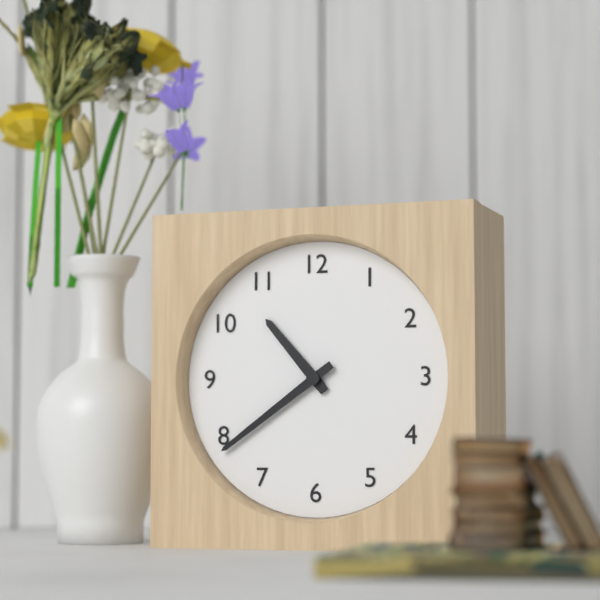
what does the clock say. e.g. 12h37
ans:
10h39
